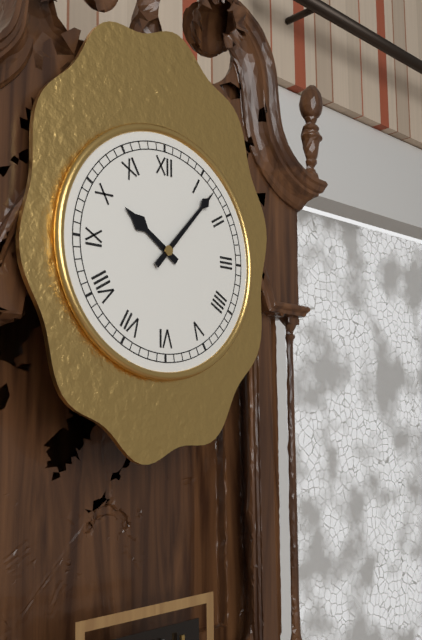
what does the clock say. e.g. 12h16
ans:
10h07
